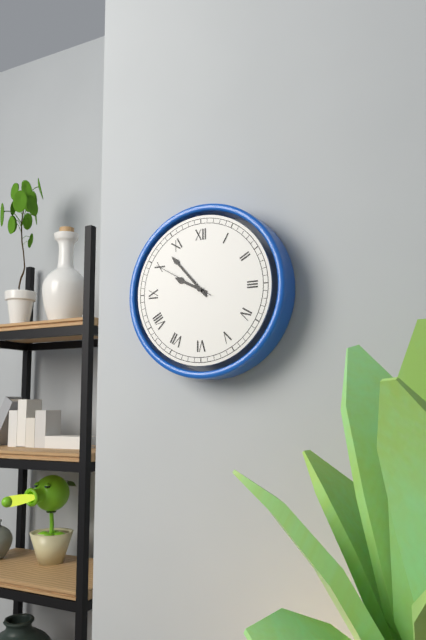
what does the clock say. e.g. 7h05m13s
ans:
9h53m50s
